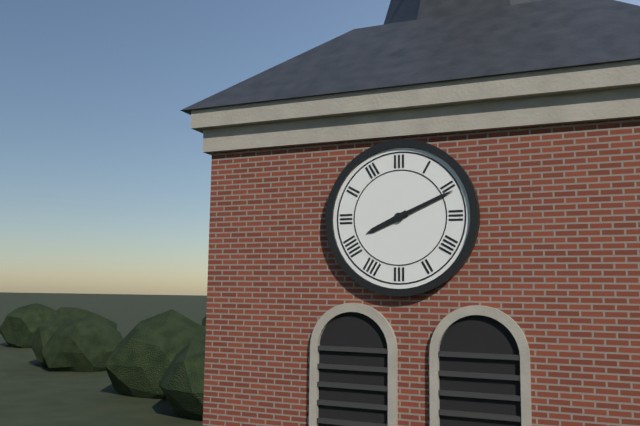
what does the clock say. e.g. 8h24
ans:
8h11
